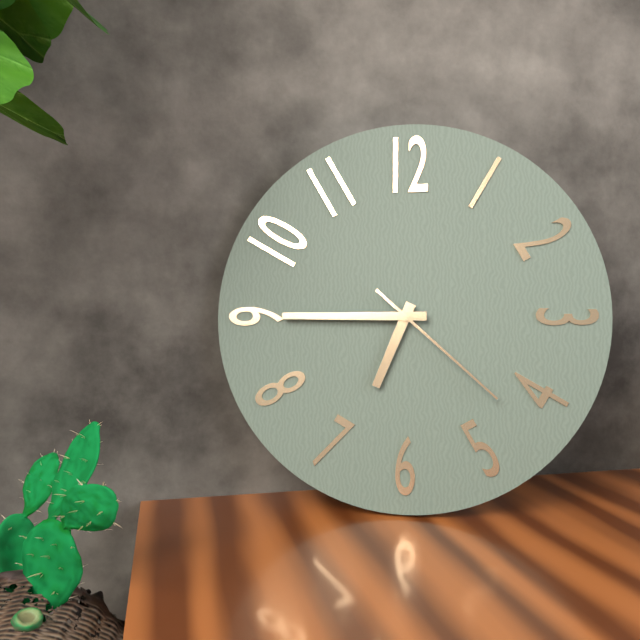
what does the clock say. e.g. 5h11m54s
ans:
6h45m22s
